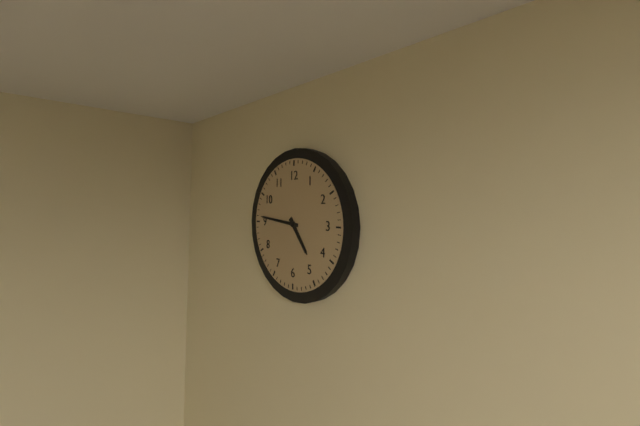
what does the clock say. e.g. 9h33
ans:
4h46
